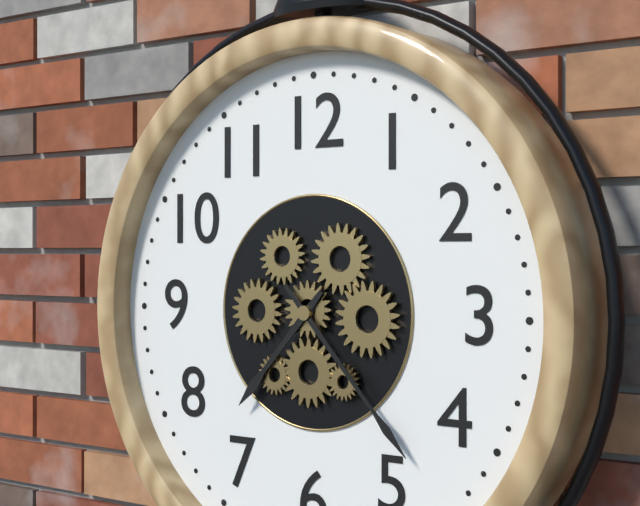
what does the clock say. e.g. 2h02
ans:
7h23
